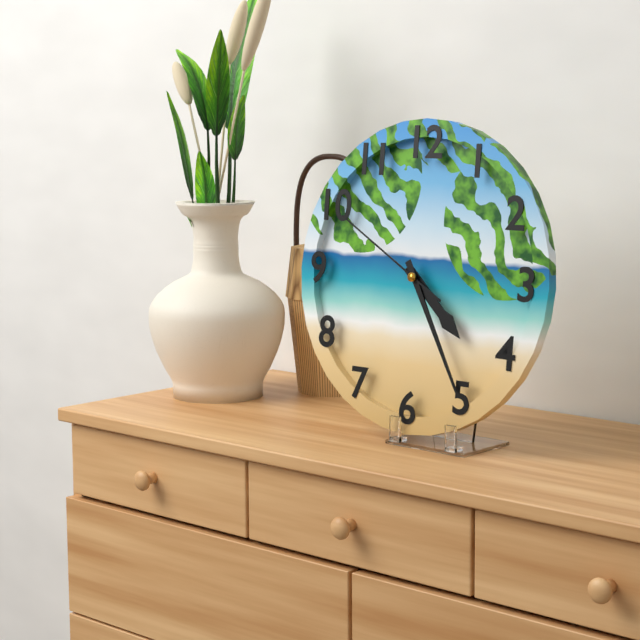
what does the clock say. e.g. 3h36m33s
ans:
4h25m50s
